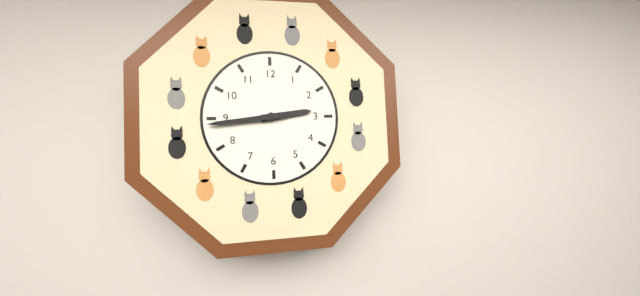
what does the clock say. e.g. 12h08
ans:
2h44
